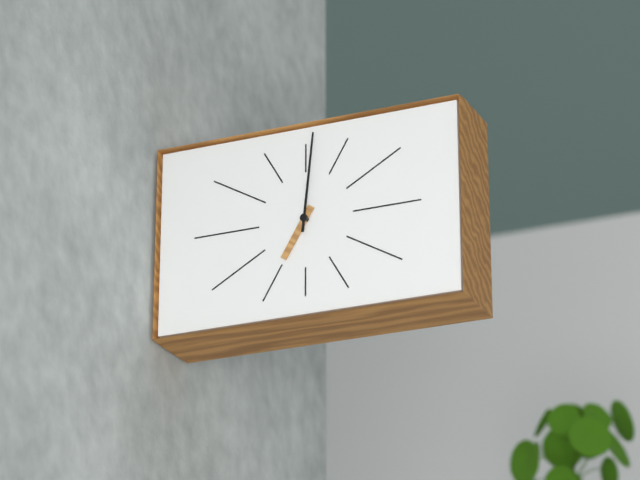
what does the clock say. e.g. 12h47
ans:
7h01
